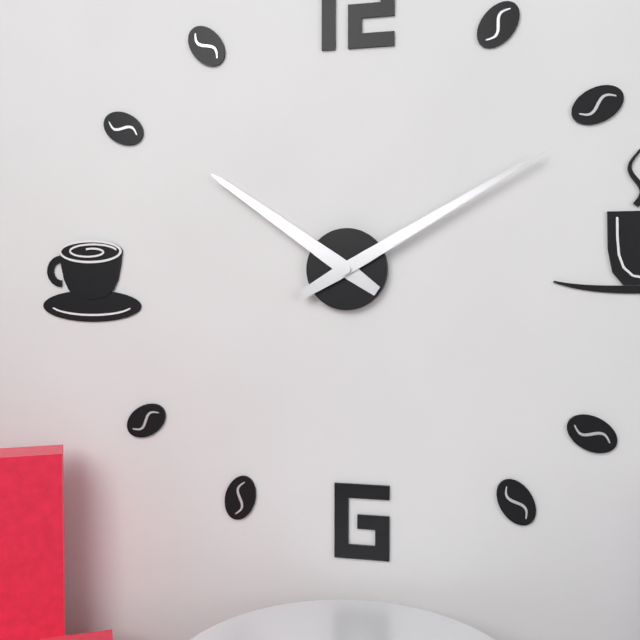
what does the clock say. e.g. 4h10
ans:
10h10
